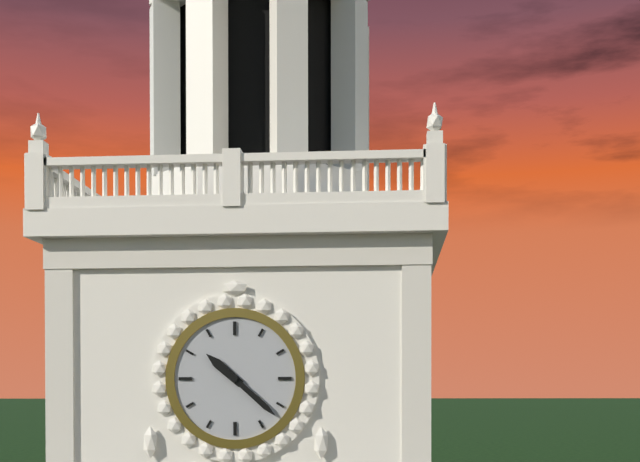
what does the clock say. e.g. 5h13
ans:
10h22
